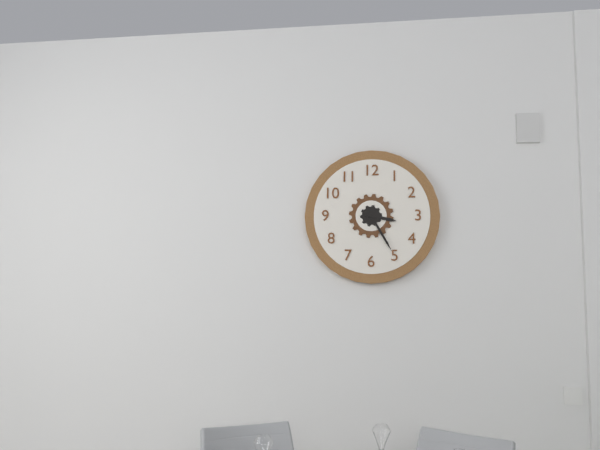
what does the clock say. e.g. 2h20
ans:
3h25
